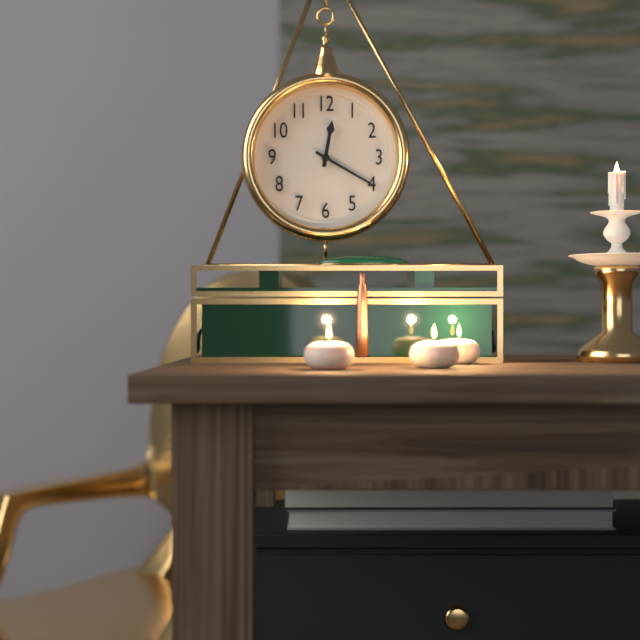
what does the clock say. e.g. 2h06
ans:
12h20
